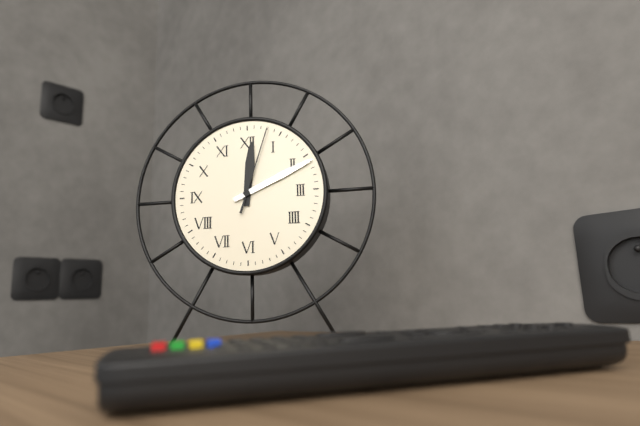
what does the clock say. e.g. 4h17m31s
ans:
12h11m03s
